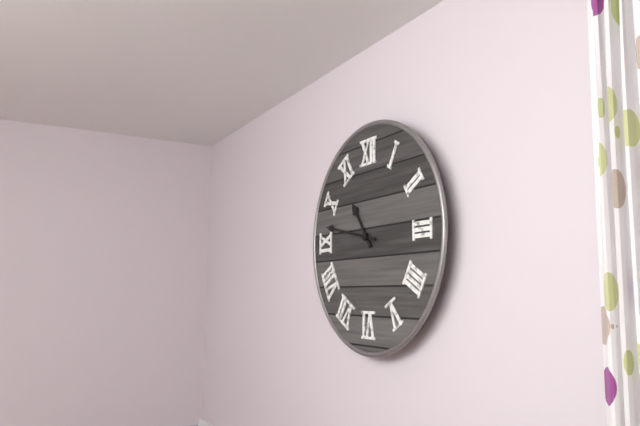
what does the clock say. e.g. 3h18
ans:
10h47
